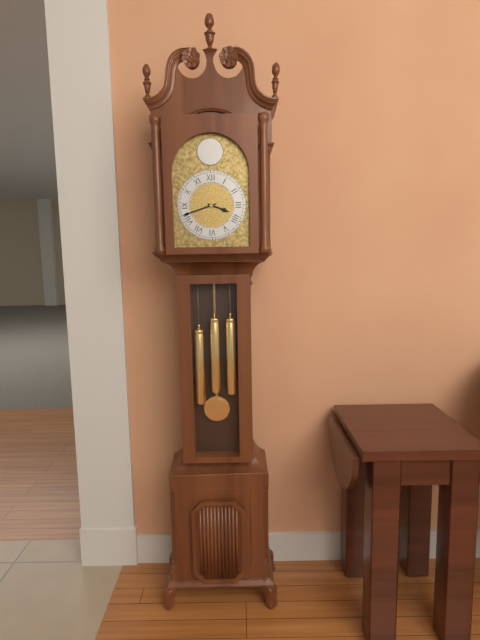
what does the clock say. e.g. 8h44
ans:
3h42
